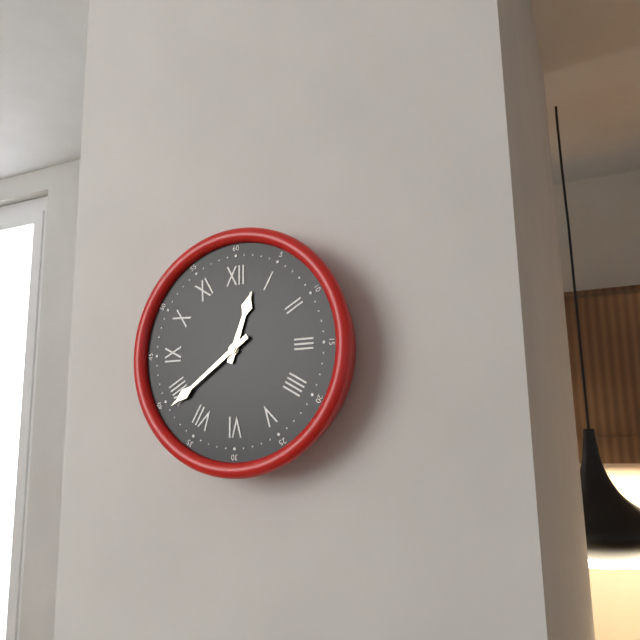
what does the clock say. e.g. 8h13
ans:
12h39
